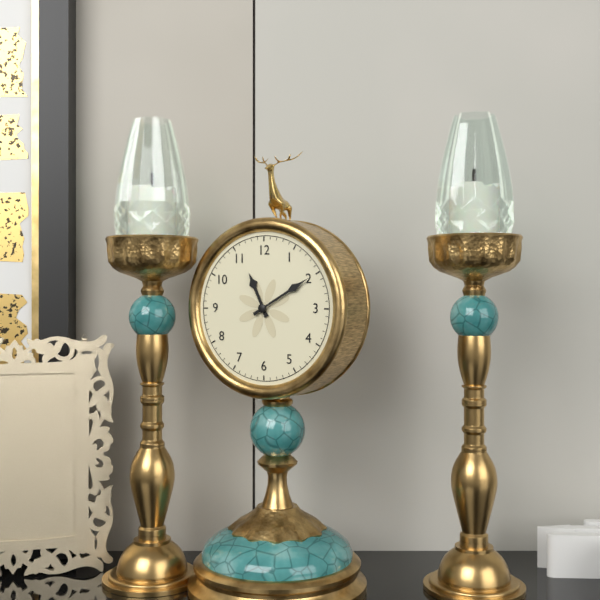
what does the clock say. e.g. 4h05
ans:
11h10
